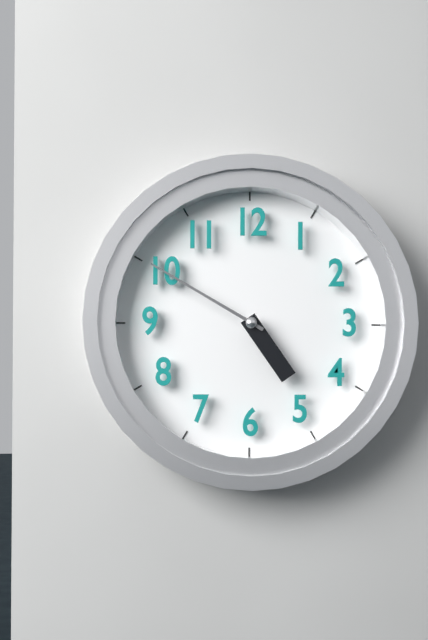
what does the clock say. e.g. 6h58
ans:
4h50
